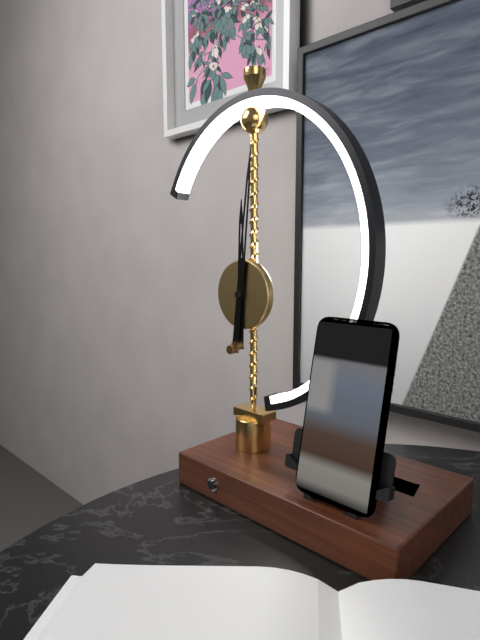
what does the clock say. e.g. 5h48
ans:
12h01
